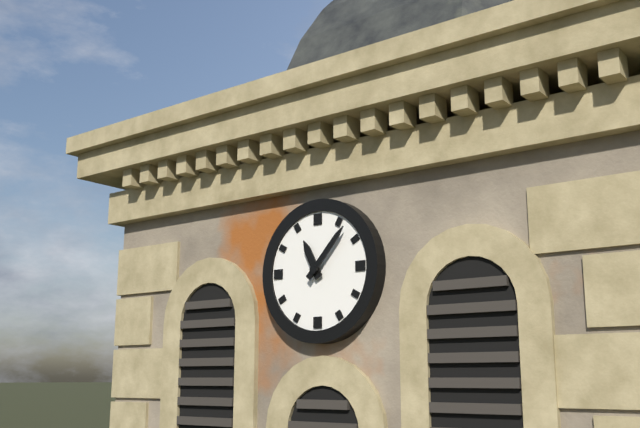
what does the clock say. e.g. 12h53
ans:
11h07
